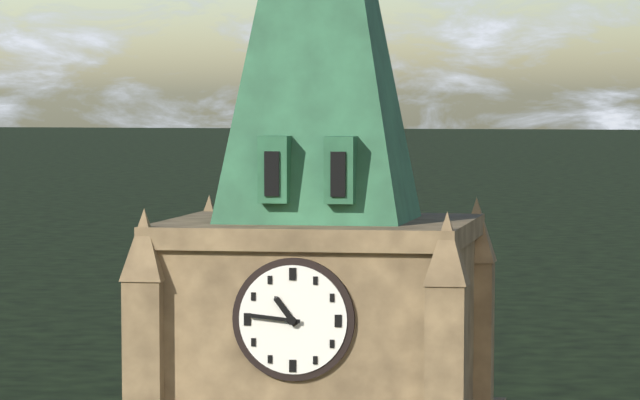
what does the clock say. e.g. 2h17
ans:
10h46
